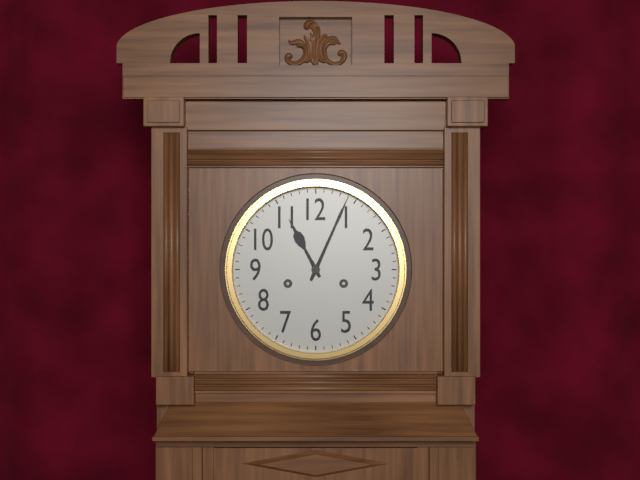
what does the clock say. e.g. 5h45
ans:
11h04
